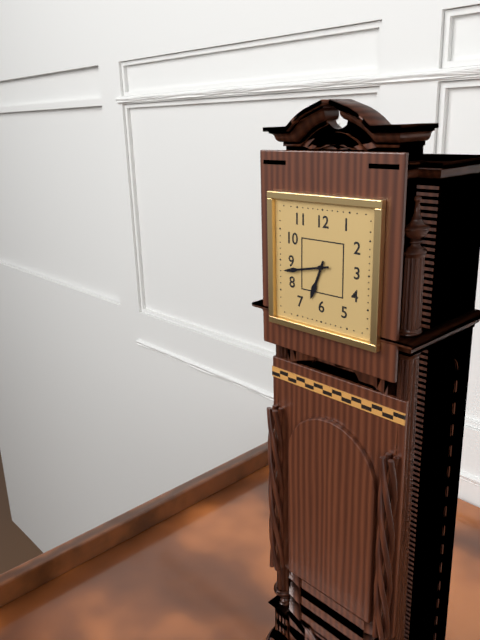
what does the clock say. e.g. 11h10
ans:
6h43
